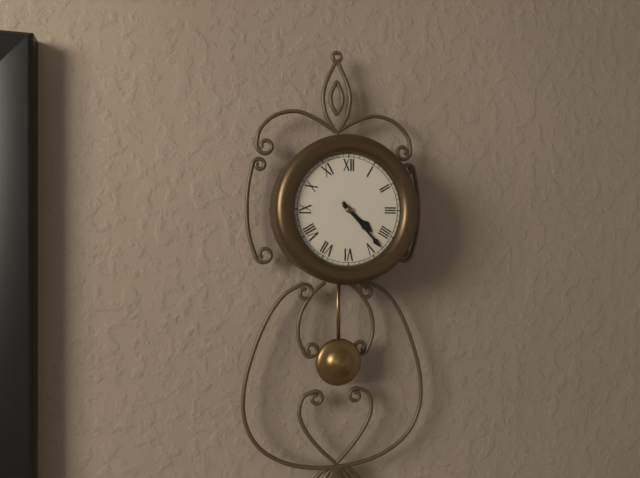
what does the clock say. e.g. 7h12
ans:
4h23
